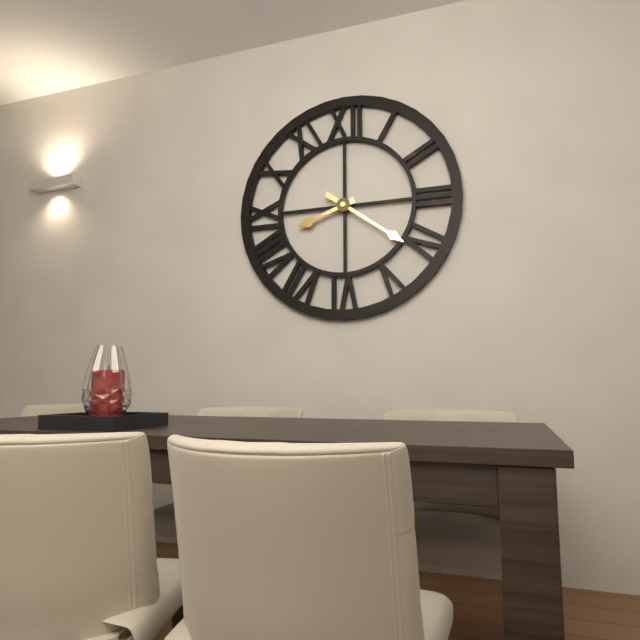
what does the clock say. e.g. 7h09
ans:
8h21
